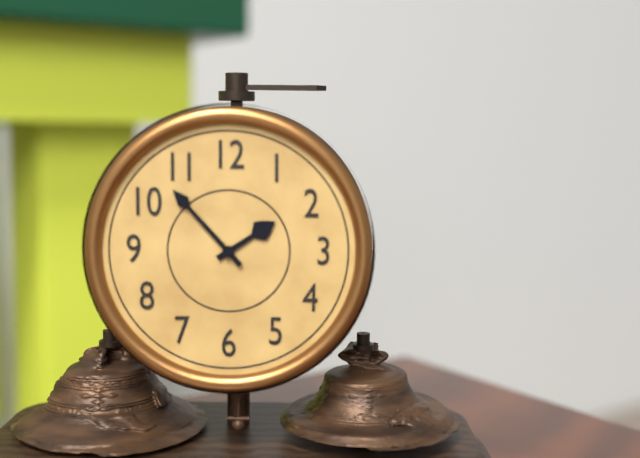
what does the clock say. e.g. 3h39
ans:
1h53
